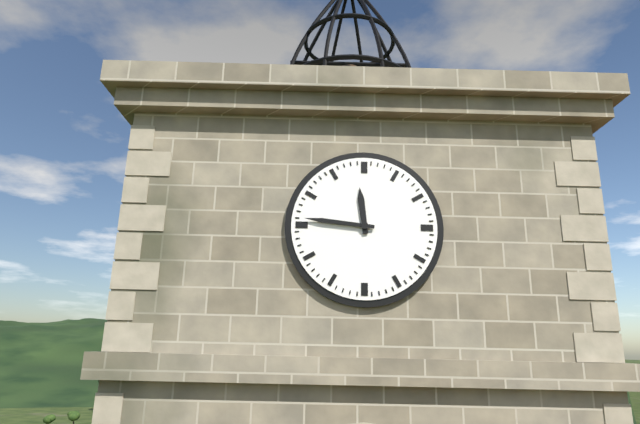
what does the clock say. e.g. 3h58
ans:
11h46
